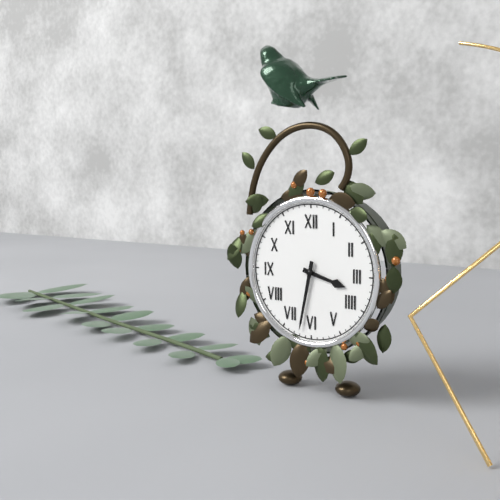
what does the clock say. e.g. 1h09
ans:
3h32
